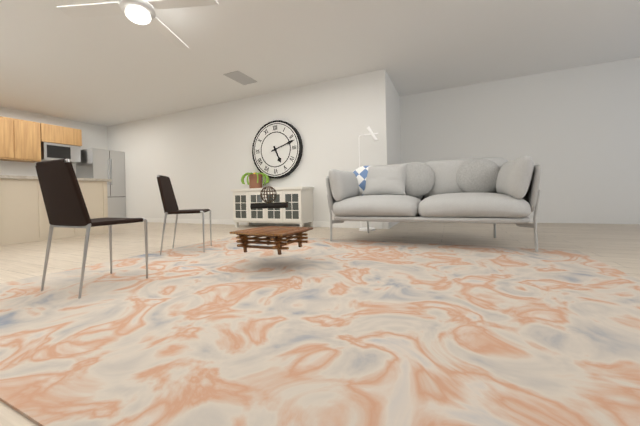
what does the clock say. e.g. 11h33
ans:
5h12
